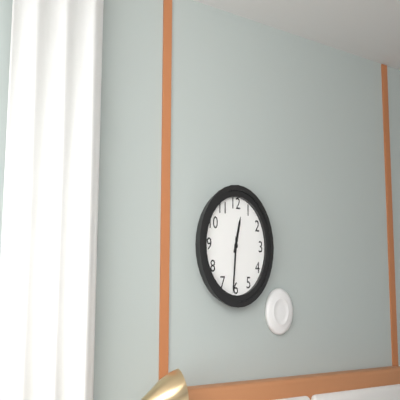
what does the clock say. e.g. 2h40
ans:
12h31
